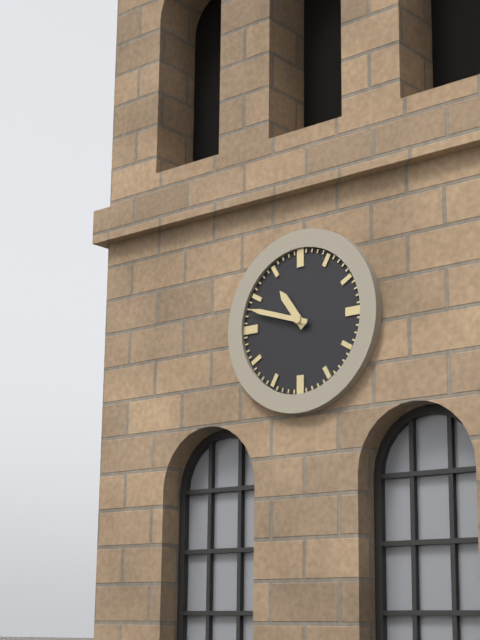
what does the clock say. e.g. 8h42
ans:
10h48
